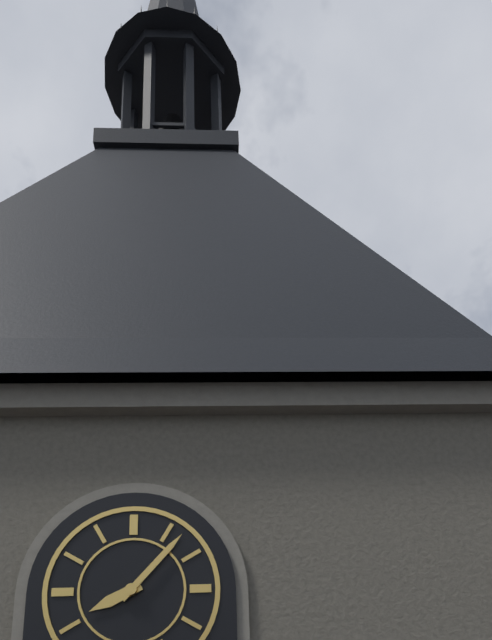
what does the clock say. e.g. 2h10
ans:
8h07
